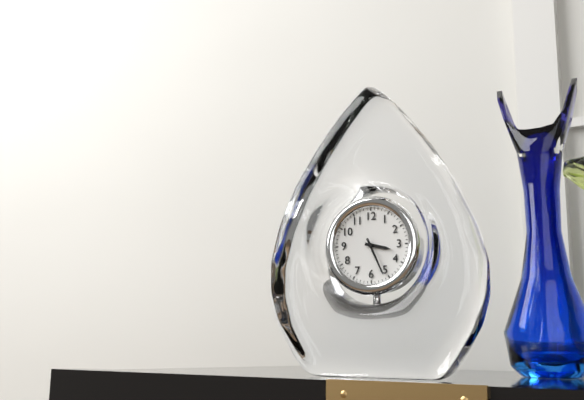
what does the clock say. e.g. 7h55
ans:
3h26
